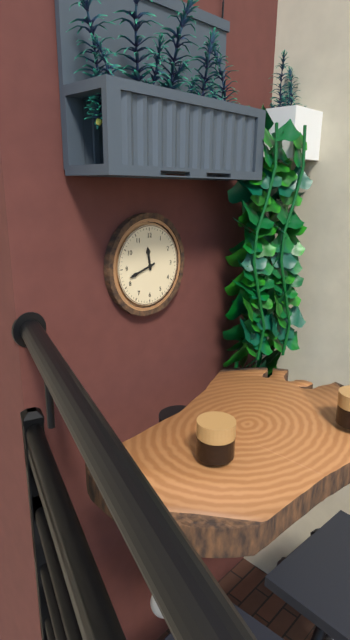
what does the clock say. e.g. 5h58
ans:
11h42
